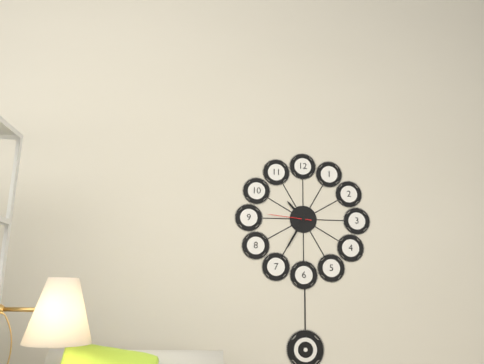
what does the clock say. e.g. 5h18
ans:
10h35
